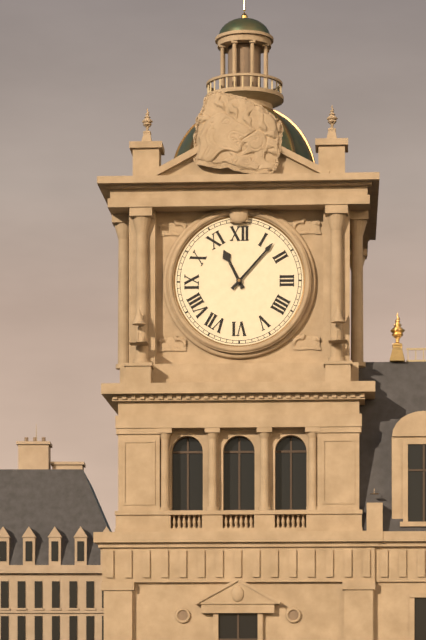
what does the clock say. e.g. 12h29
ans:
11h07
